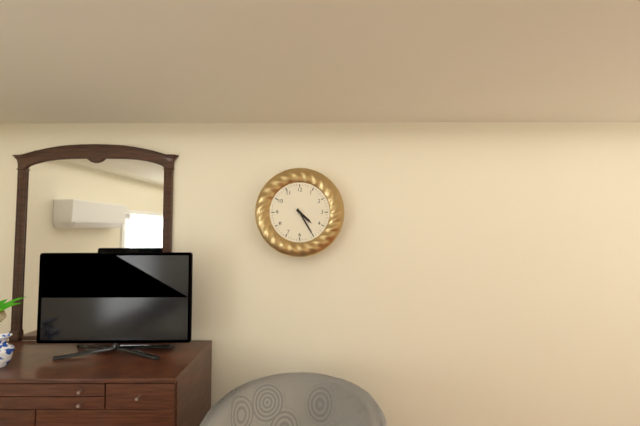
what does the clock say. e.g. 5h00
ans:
4h25
